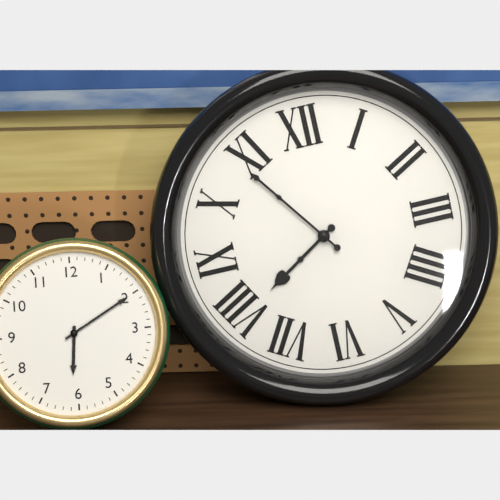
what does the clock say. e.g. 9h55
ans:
7h54
